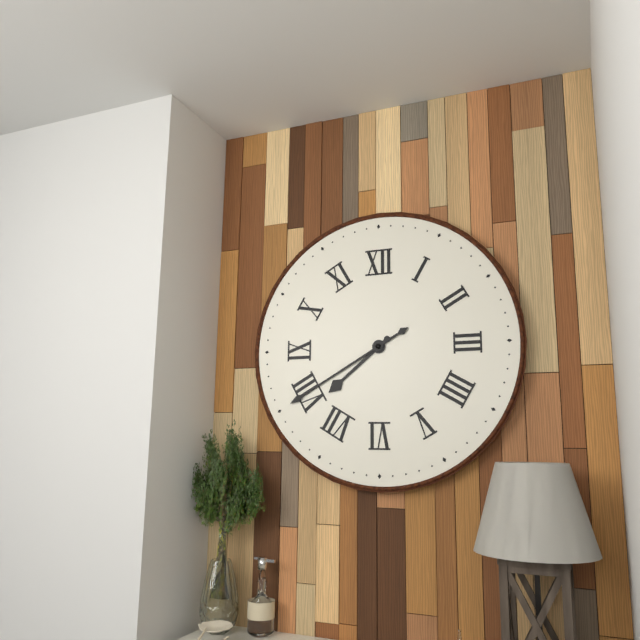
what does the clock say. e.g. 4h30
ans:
7h40
